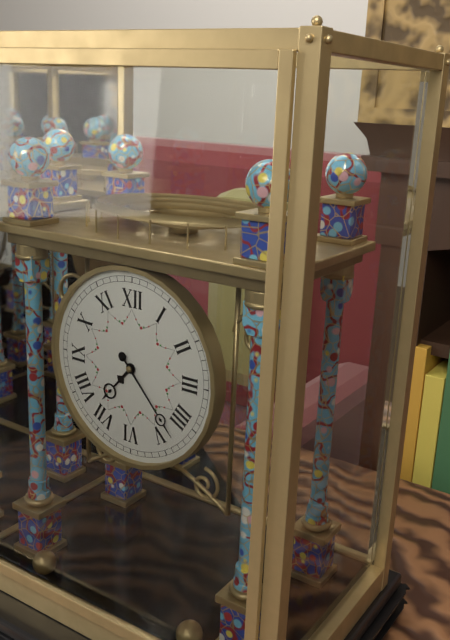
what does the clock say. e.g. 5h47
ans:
7h23
